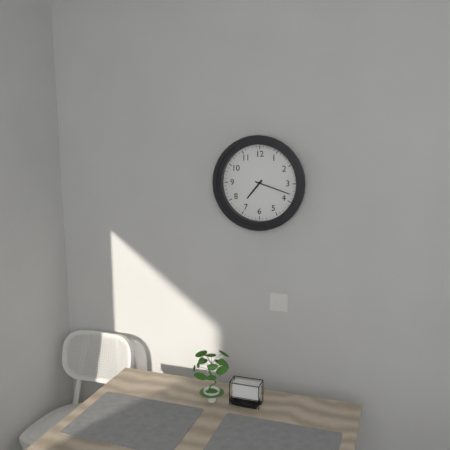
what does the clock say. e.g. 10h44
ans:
7h18
